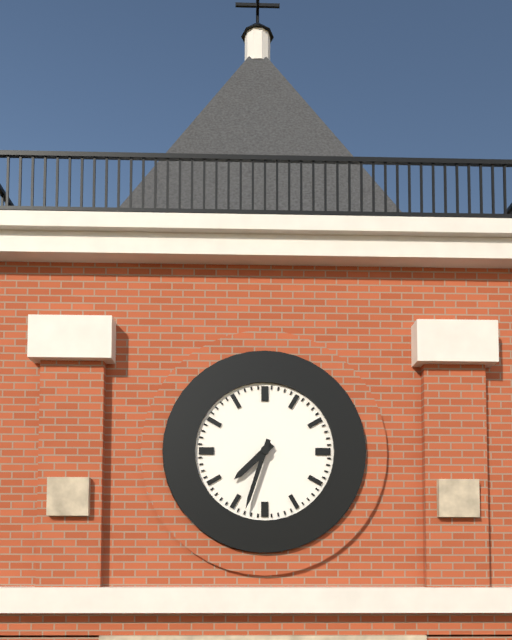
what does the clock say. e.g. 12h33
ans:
7h33
